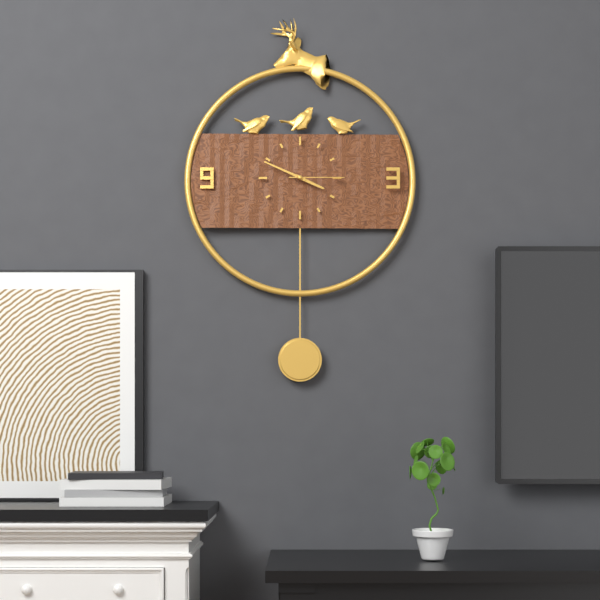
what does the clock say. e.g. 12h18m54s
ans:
3h49m15s
